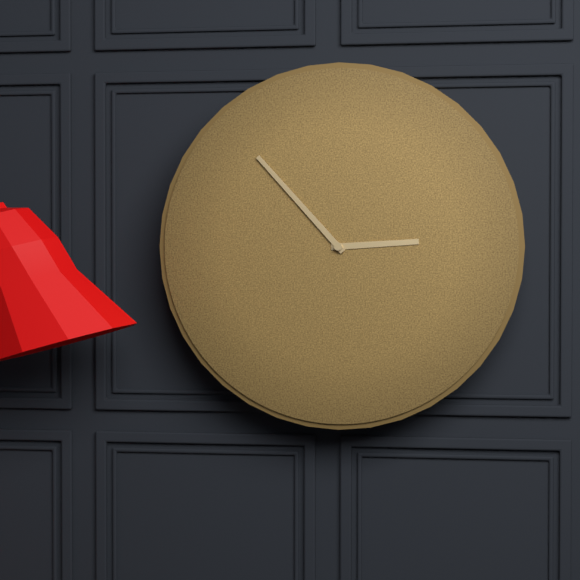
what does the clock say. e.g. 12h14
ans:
2h53
